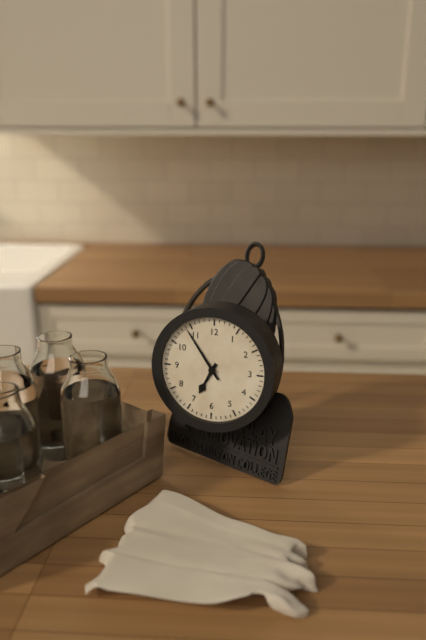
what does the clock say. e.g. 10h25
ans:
6h54
